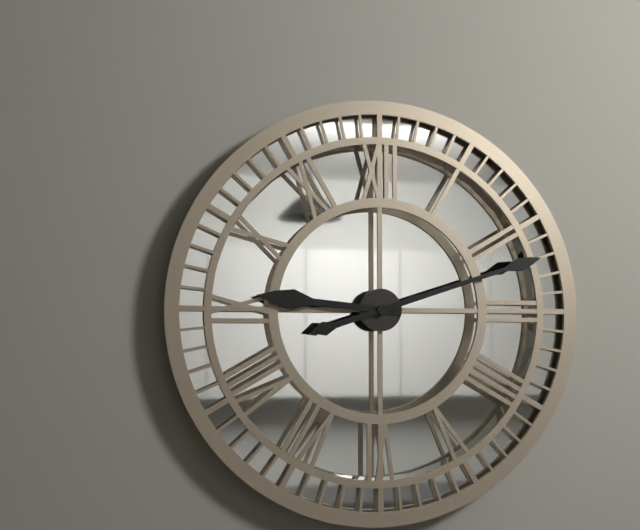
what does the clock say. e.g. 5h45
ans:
9h12
